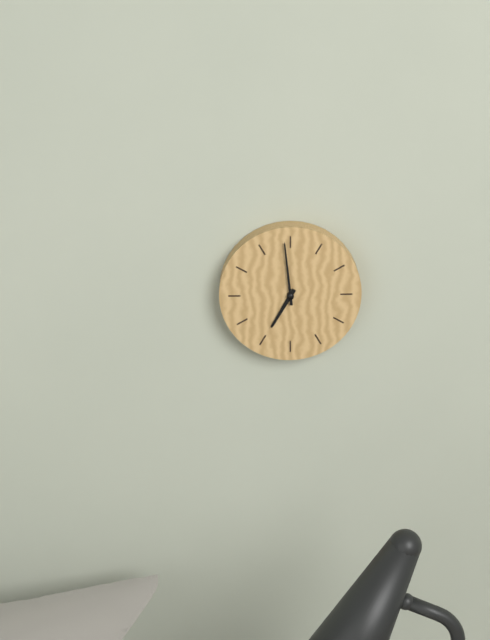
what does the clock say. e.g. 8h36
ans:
6h59
